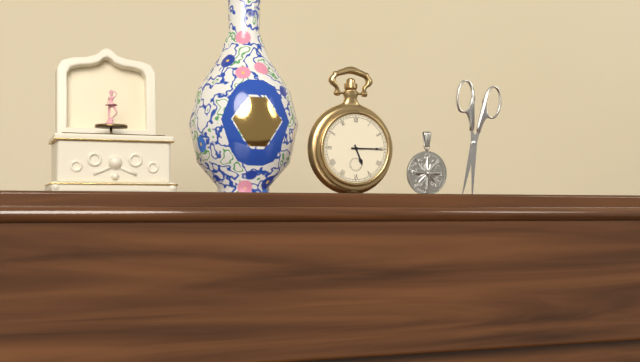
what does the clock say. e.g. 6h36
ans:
5h15
